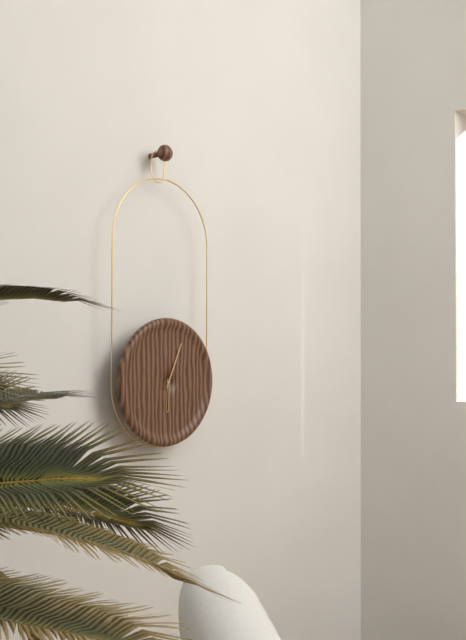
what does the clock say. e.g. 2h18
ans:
6h04
